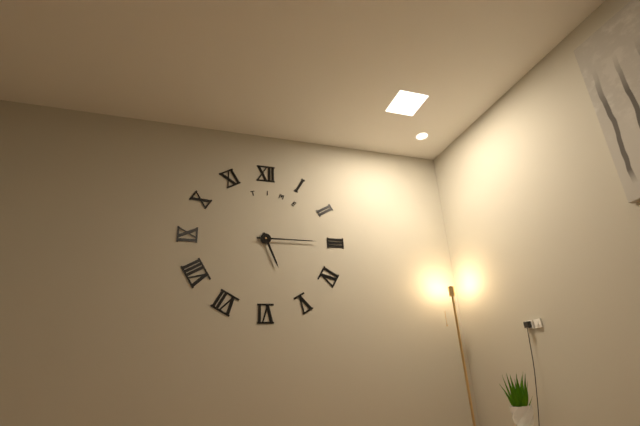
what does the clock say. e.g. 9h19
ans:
5h15
